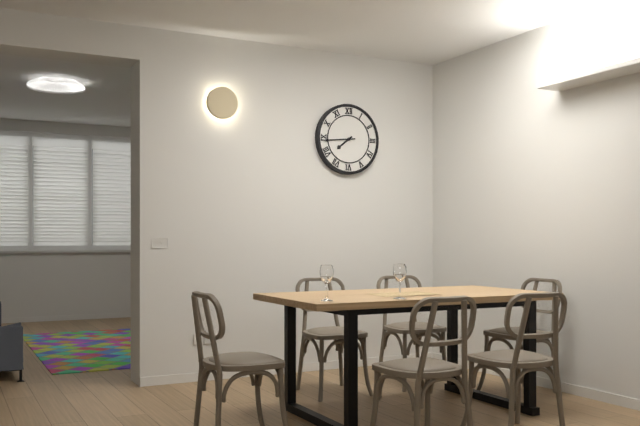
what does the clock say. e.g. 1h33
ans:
7h44
